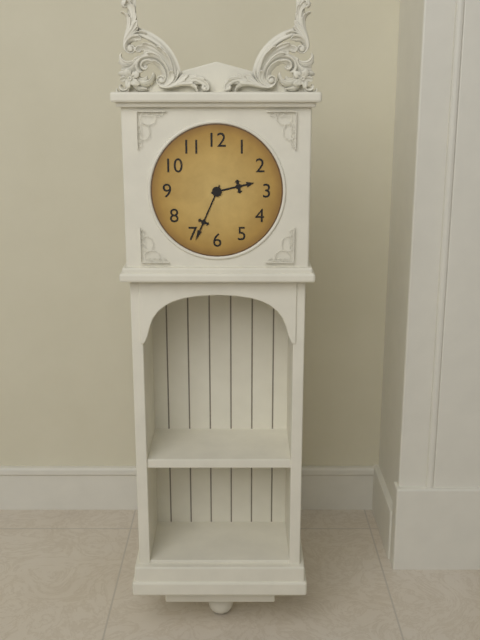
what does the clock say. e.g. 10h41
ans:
2h34
